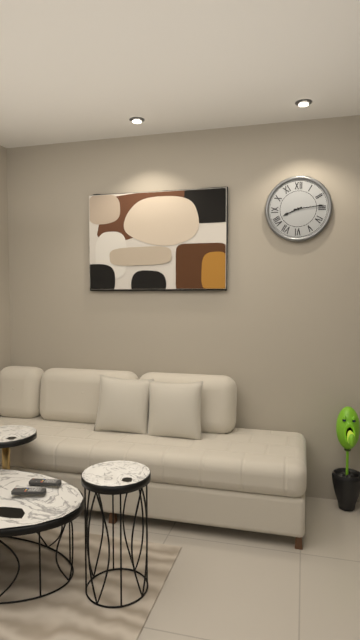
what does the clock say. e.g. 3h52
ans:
8h14
